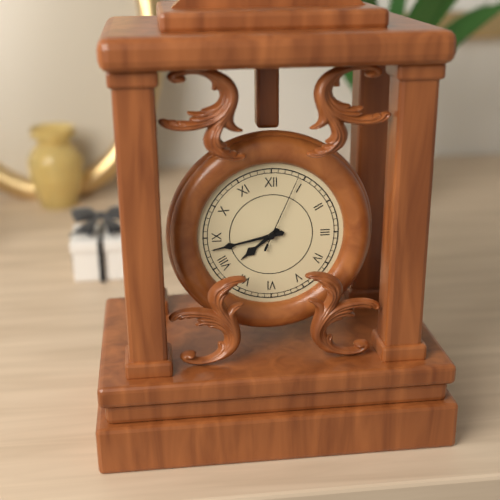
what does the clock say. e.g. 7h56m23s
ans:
7h43m04s
